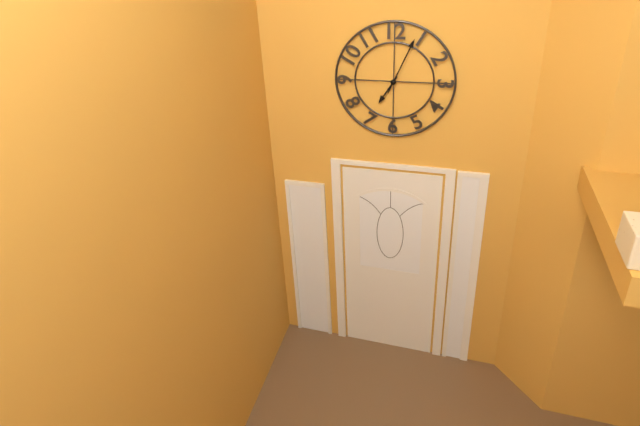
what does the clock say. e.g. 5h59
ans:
7h04
